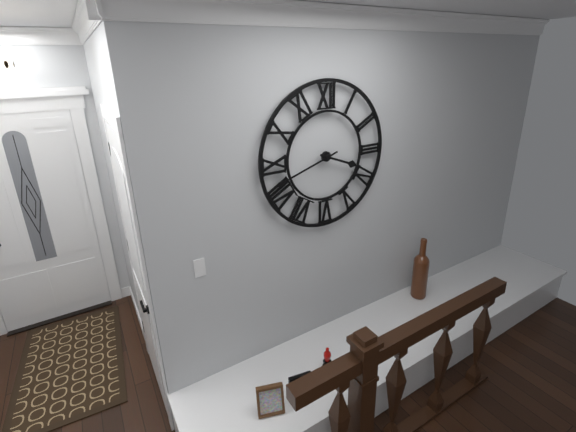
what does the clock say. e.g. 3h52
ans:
3h42
